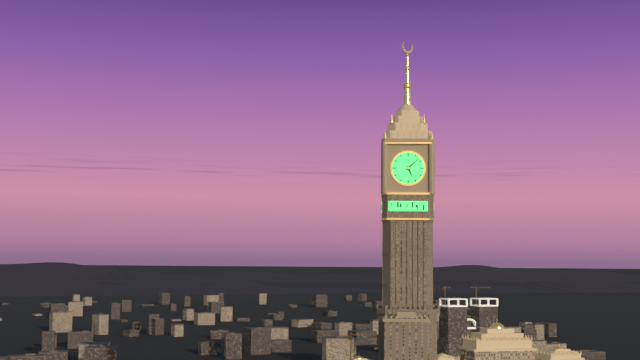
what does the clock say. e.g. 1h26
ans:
5h08
